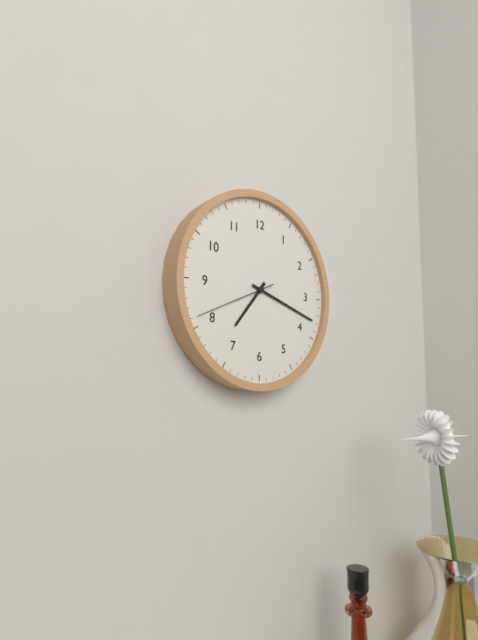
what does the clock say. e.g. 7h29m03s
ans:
7h18m41s
